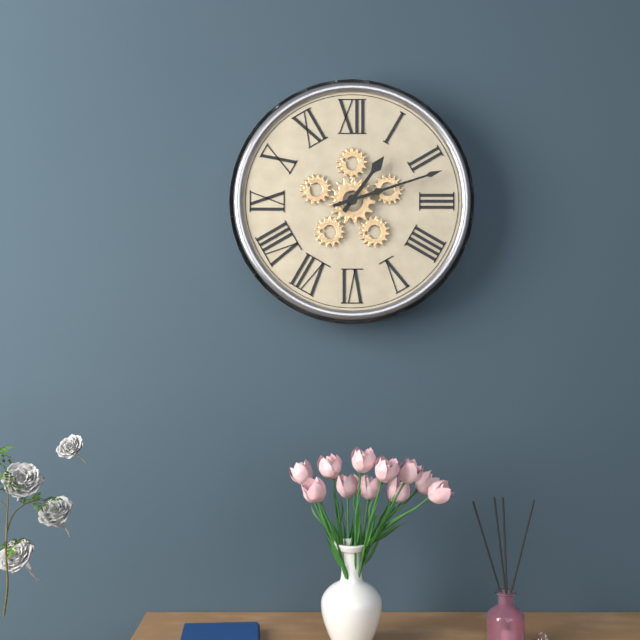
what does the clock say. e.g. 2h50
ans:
1h12
